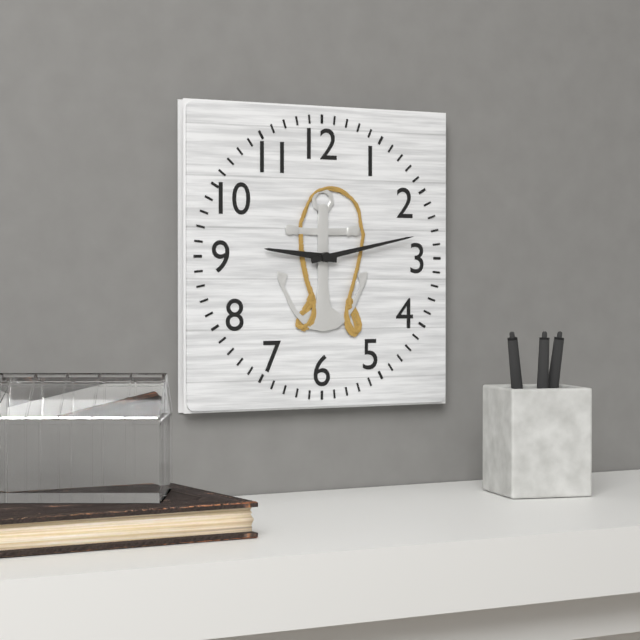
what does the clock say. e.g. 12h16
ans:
9h13
